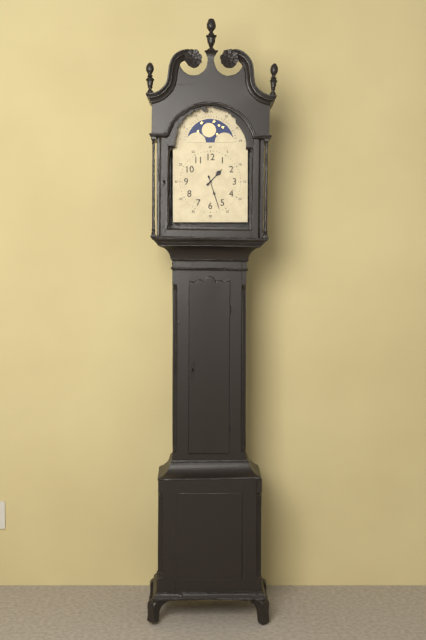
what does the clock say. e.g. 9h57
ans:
1h27
